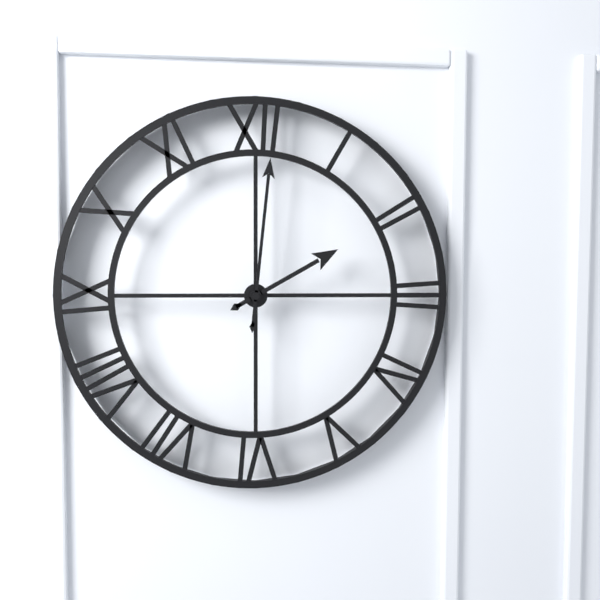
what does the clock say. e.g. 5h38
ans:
2h01
